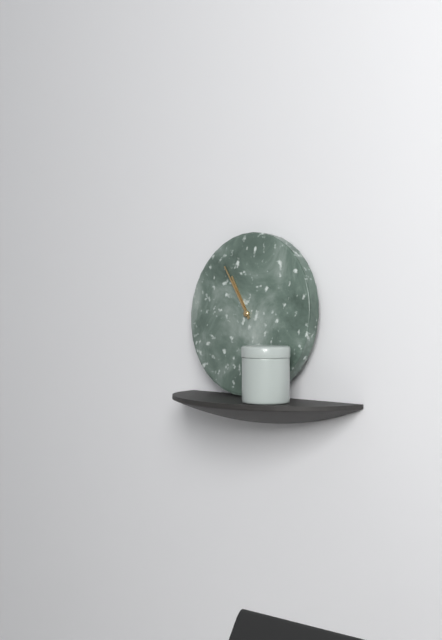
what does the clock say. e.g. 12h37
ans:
10h54
